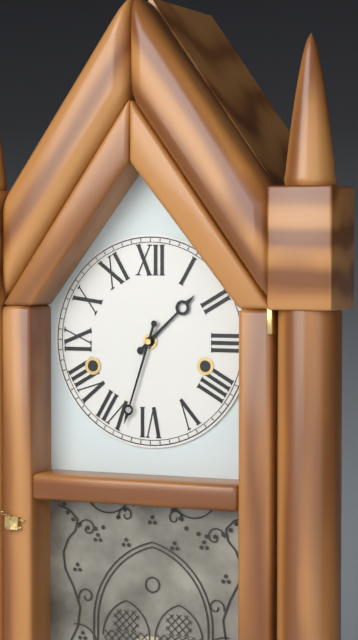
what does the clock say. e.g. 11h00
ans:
1h33
